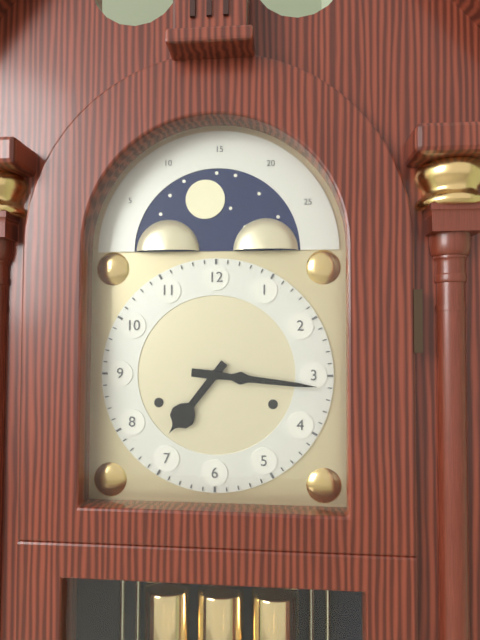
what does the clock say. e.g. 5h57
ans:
7h16
